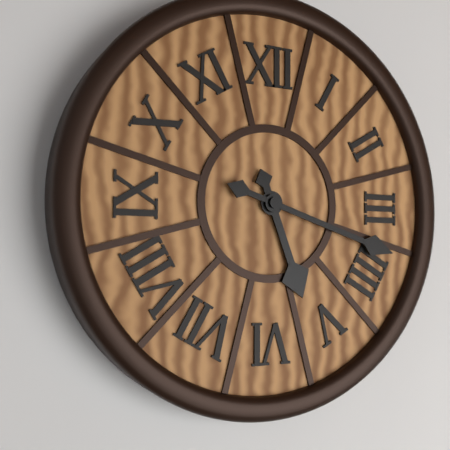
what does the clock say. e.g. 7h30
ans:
5h18
